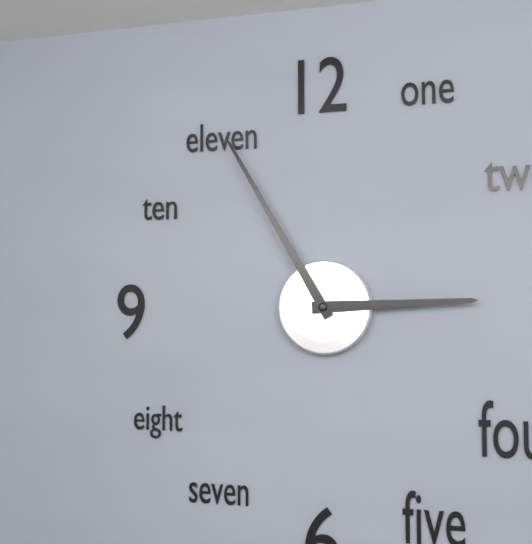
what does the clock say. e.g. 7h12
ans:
2h55
